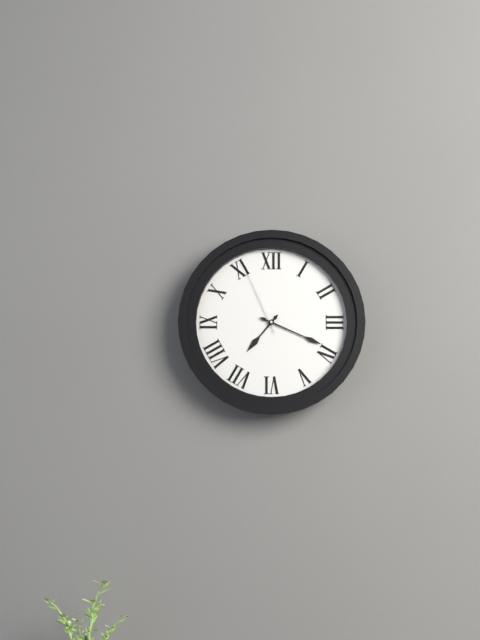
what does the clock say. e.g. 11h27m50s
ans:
7h19m56s
